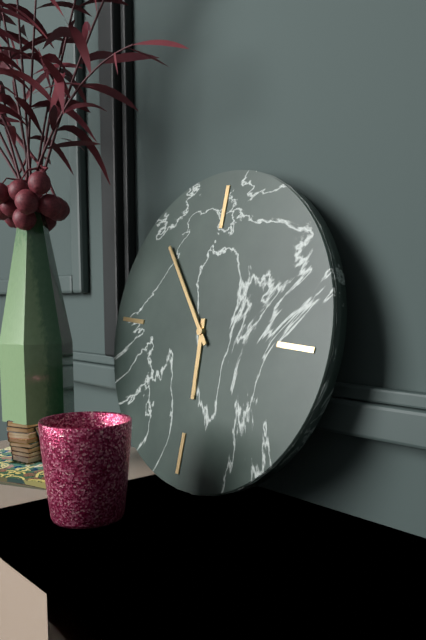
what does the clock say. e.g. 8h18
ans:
5h53
